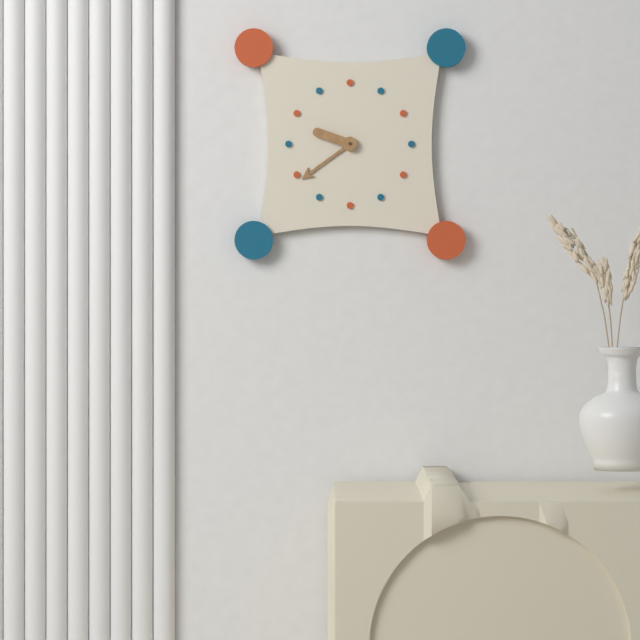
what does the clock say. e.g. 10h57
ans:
9h39
